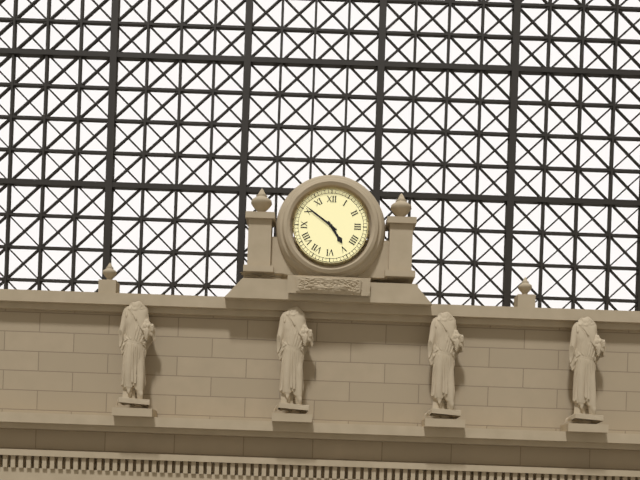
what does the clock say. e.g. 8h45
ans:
4h51
